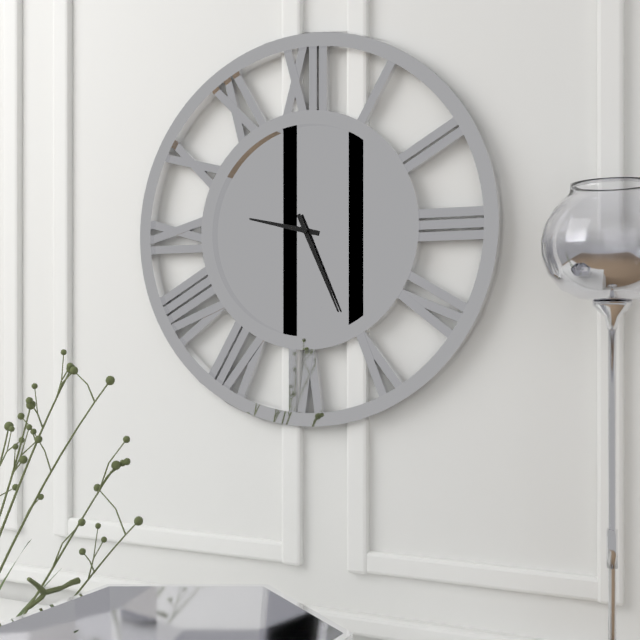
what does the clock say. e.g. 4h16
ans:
9h26
